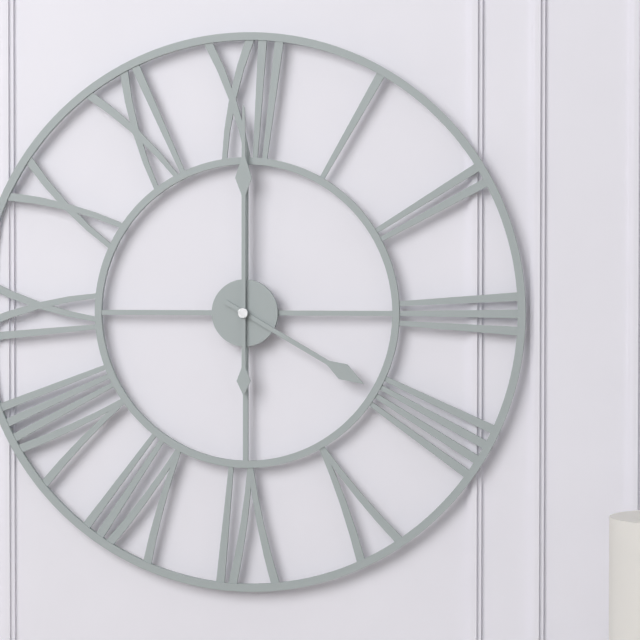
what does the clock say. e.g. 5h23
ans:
4h00
